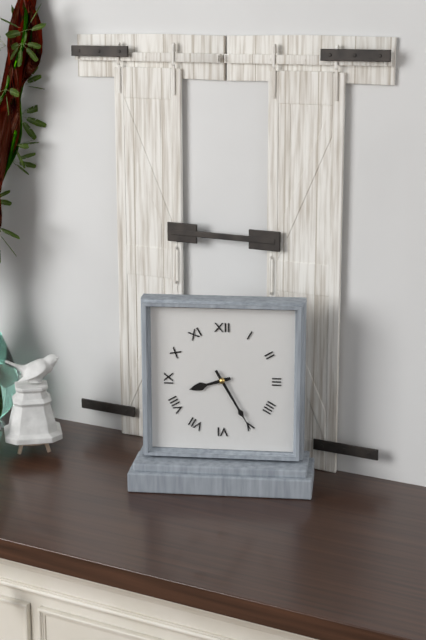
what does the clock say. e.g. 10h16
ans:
8h25
